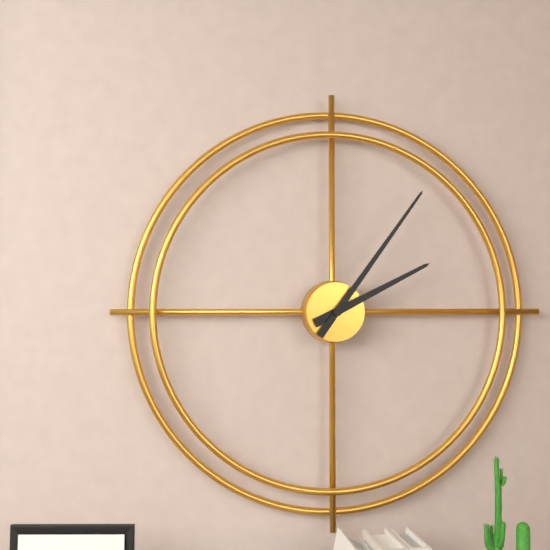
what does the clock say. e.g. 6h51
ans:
2h06
